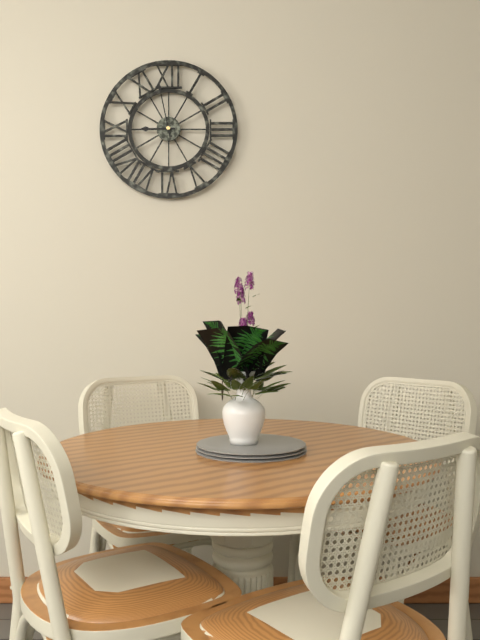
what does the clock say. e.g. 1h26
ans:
8h58
